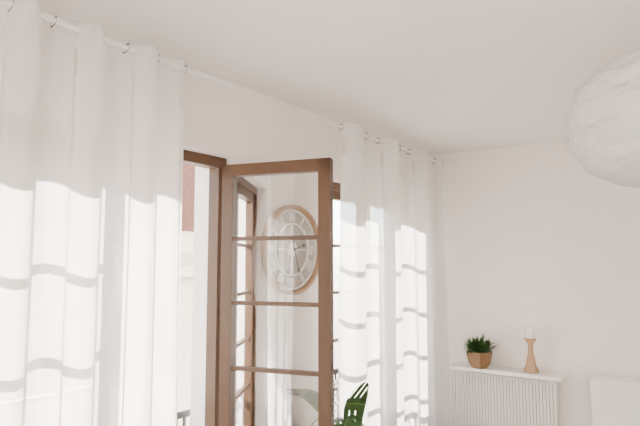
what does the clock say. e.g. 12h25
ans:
2h27
